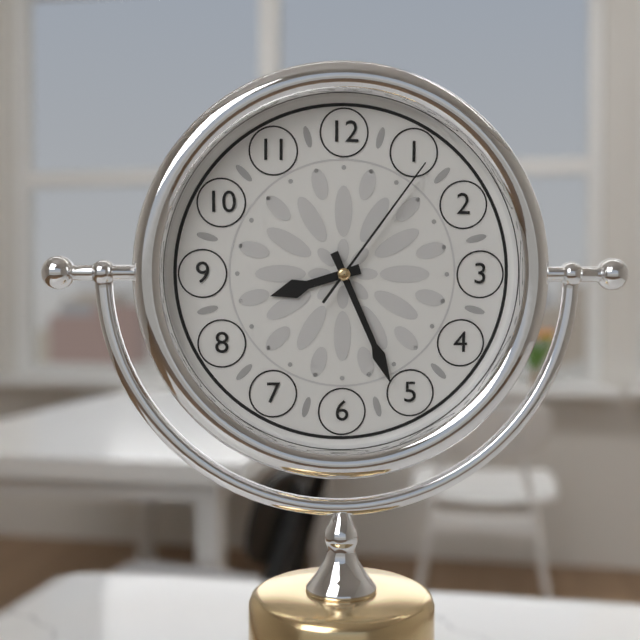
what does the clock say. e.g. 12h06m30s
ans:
8h26m06s
